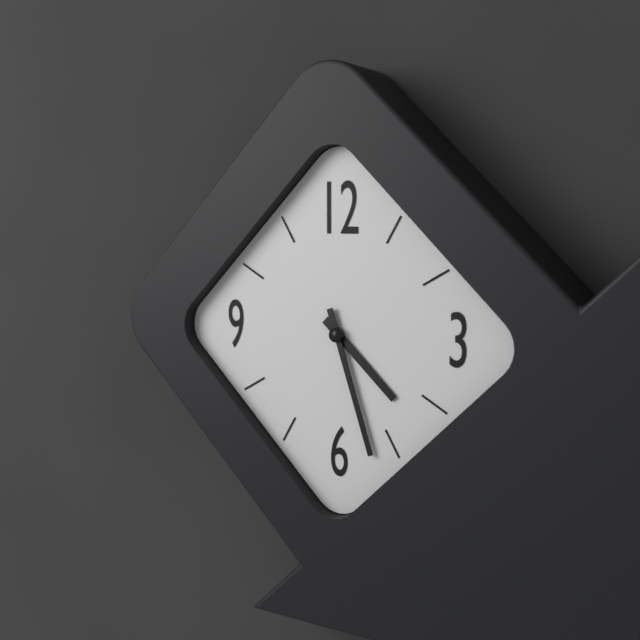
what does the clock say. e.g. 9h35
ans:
4h27
